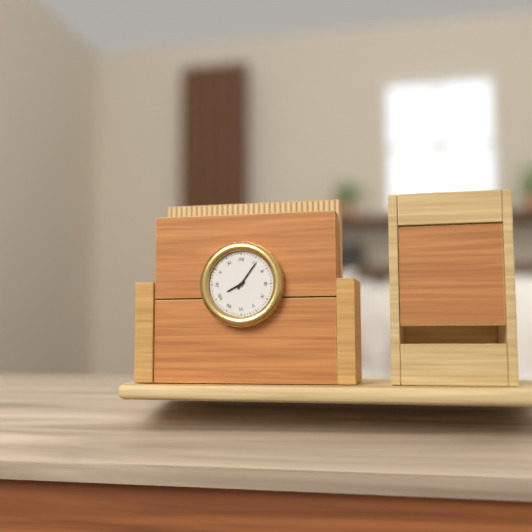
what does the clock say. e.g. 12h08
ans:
8h06
